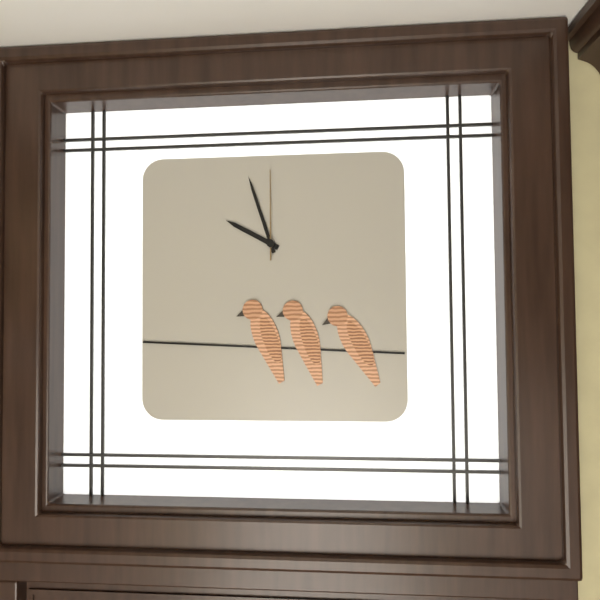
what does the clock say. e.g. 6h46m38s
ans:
9h57m00s
